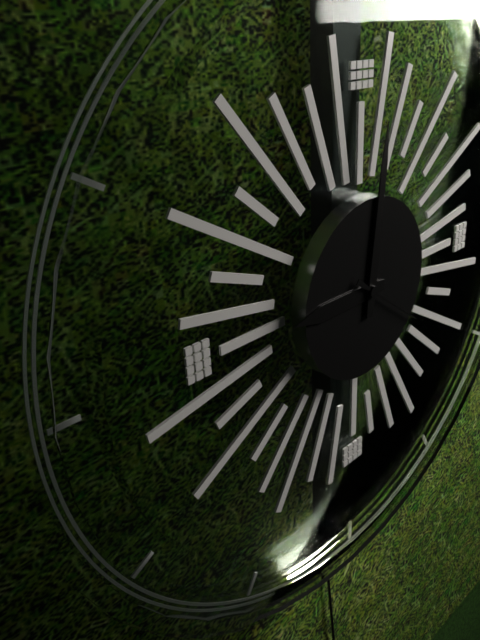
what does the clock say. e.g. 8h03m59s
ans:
9h01m21s
